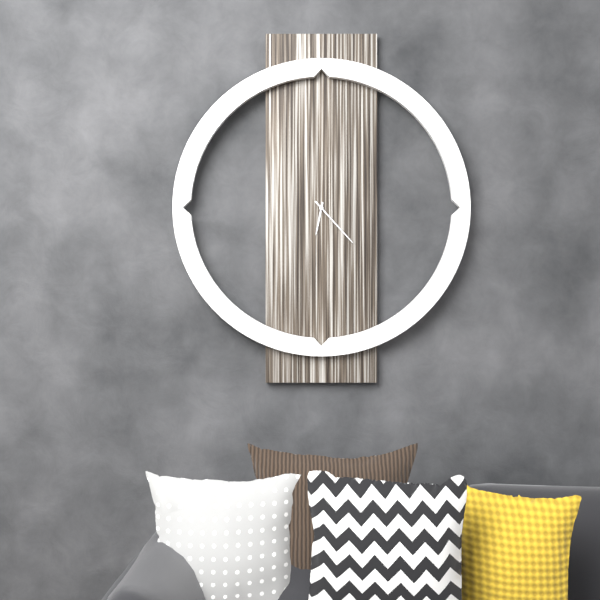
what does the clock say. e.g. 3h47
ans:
6h23
